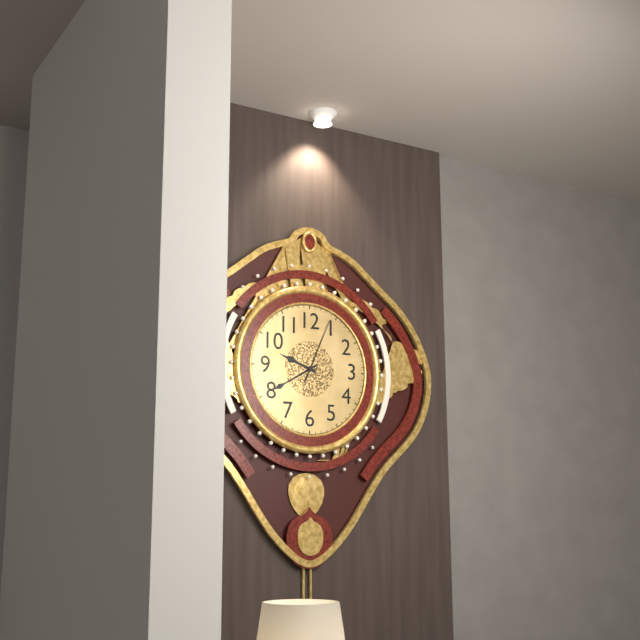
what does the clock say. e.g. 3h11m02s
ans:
9h40m04s
